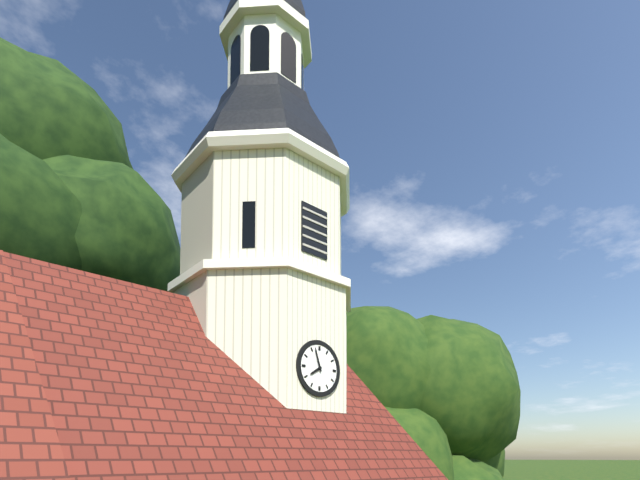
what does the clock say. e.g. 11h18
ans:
7h57
